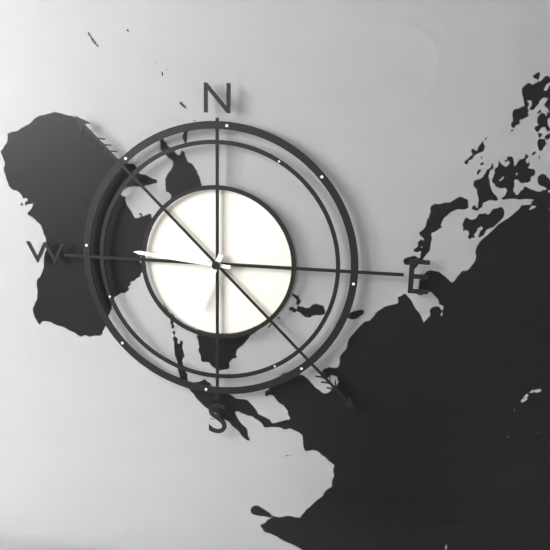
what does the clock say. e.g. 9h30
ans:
6h46
